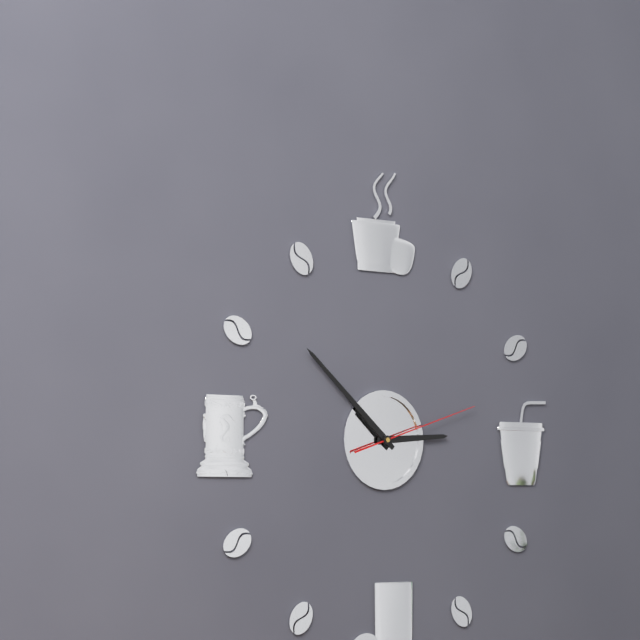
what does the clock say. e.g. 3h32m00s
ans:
2h52m12s
